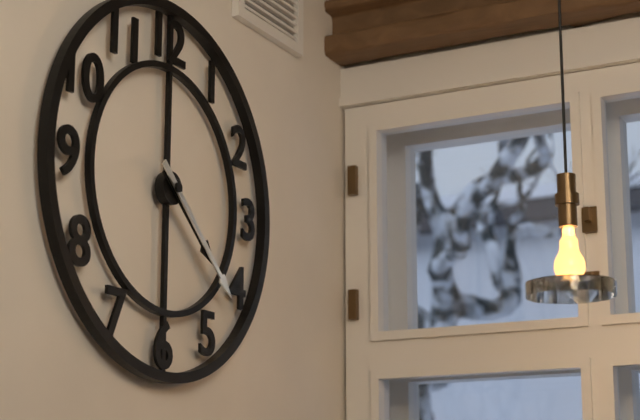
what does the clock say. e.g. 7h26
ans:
4h22
